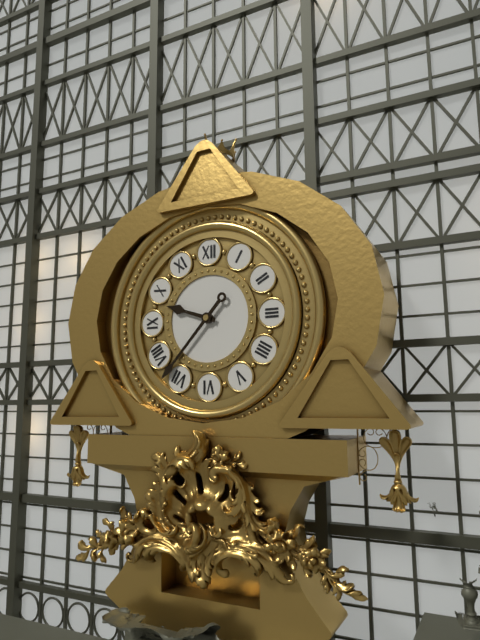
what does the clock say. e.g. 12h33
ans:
9h37
